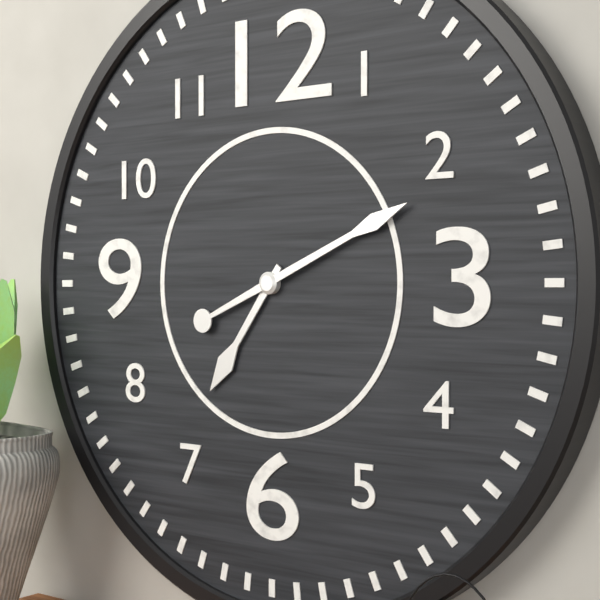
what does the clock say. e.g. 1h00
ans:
7h11
